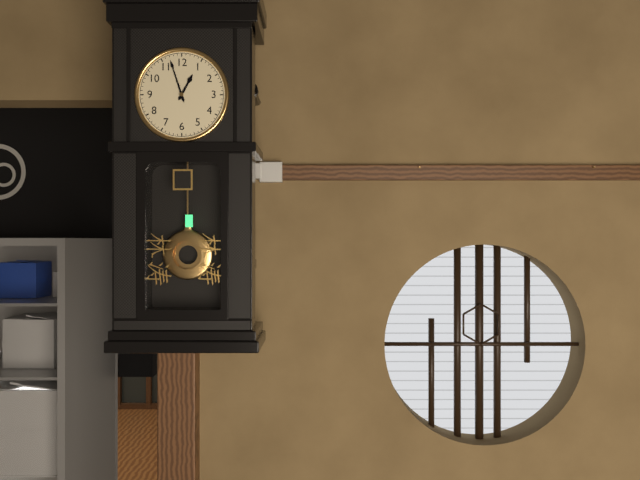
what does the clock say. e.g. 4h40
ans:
12h57
